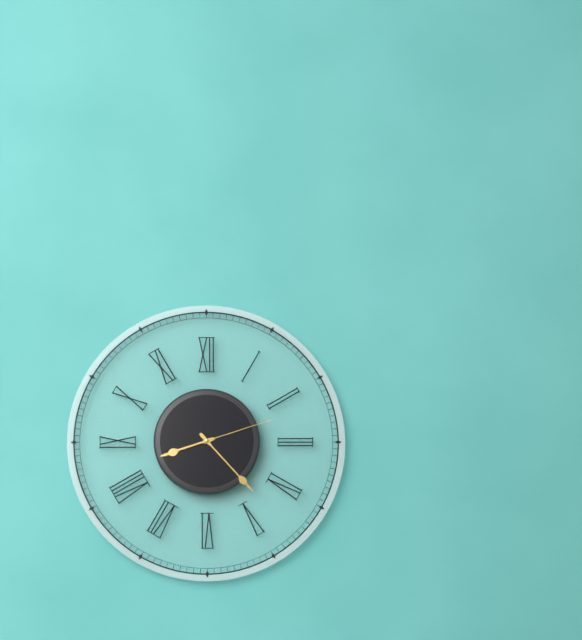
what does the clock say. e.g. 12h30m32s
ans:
8h23m12s
